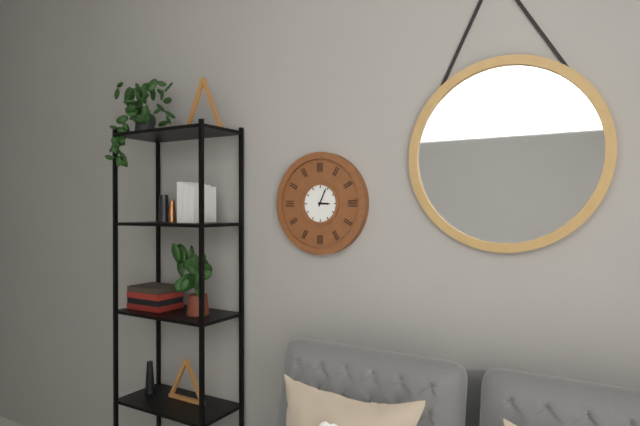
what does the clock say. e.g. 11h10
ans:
3h04
